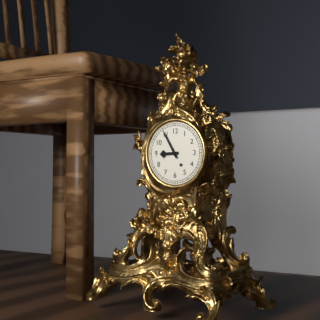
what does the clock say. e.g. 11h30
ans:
8h55
